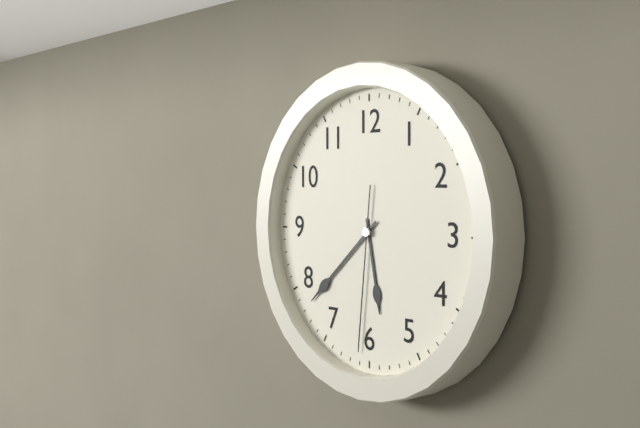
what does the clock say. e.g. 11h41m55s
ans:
5h38m31s
